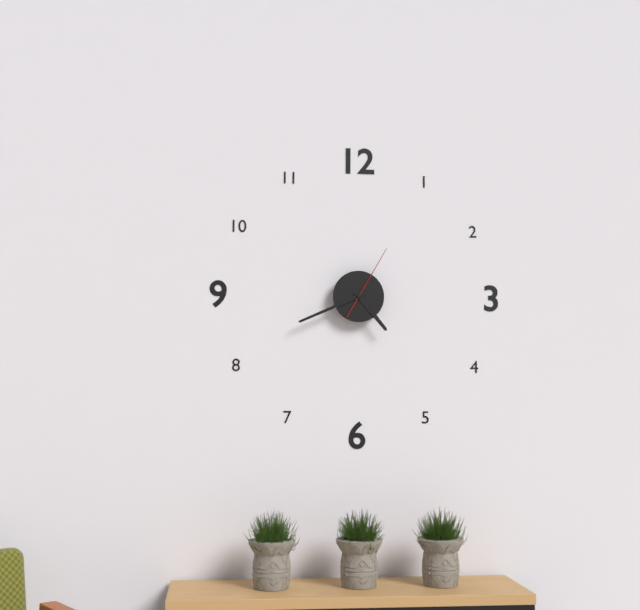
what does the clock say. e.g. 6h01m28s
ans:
4h41m05s
